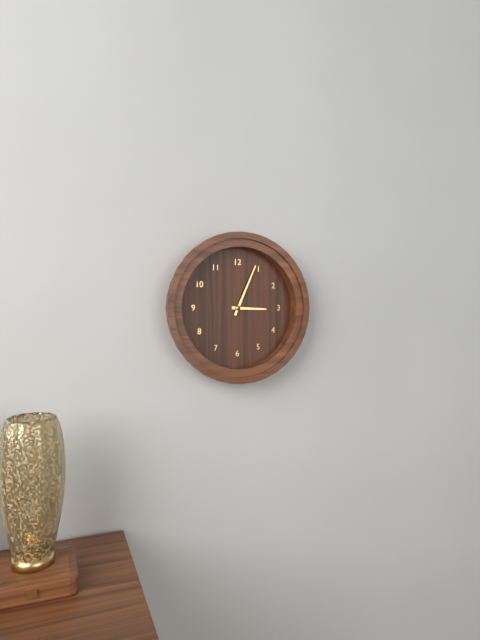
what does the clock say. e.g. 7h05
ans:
3h04
